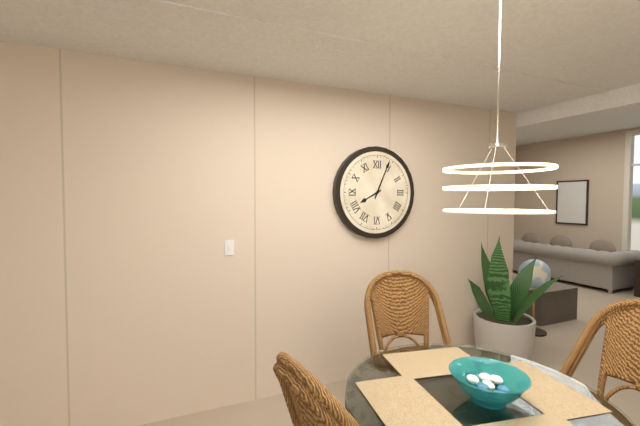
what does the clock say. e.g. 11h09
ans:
8h04
